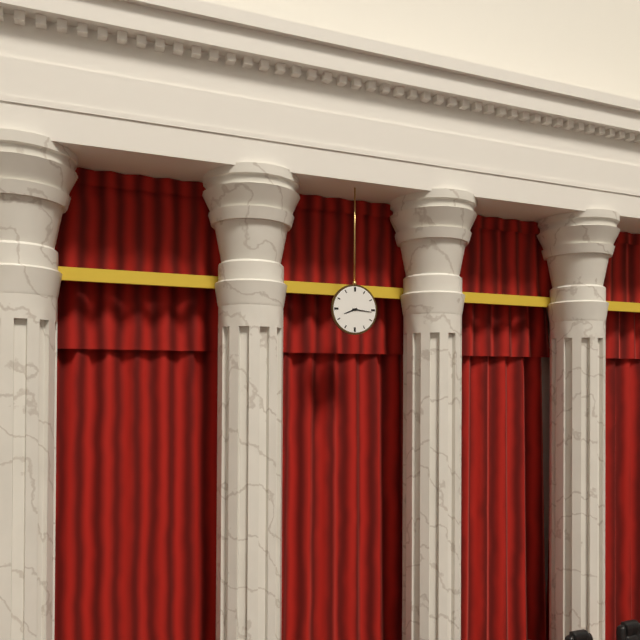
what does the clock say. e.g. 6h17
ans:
8h16
